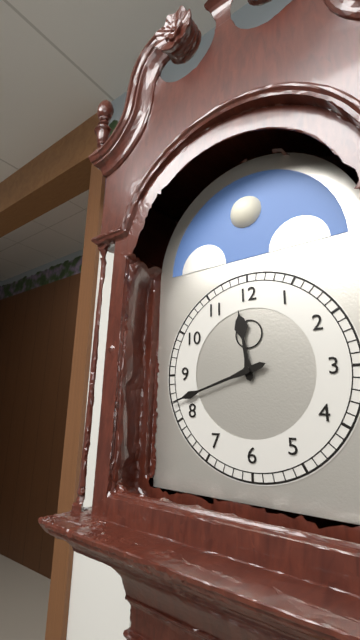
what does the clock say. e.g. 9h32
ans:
11h42
